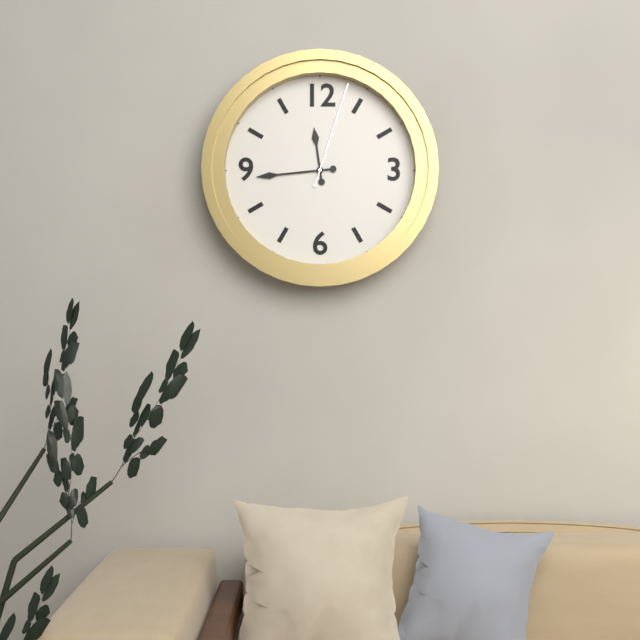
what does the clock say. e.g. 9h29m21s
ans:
11h44m03s
